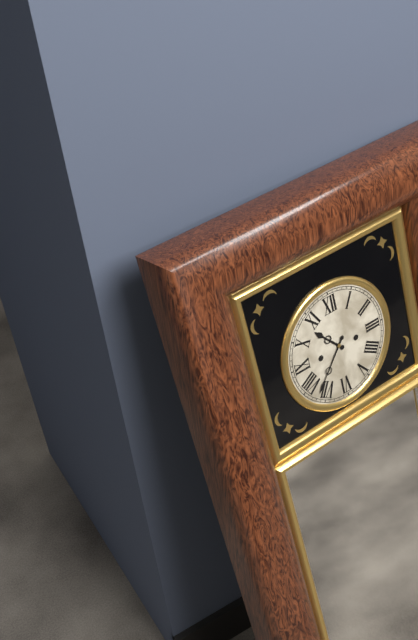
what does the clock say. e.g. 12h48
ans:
10h37
